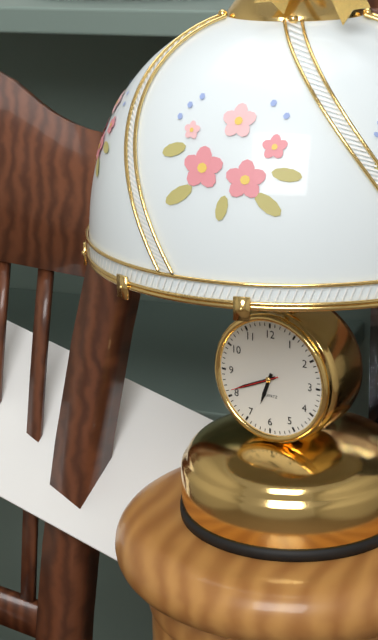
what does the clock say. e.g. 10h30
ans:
6h41
